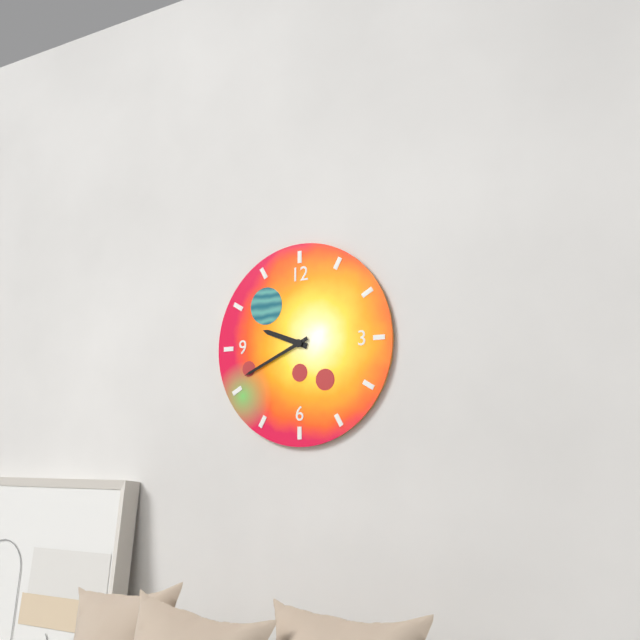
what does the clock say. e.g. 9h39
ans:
9h41
